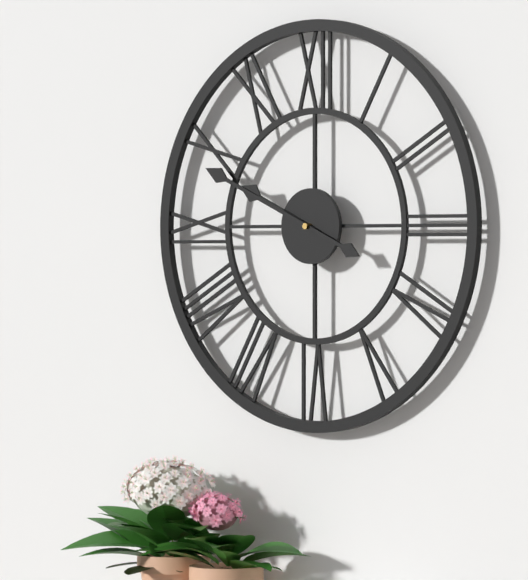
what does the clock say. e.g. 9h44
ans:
9h49
